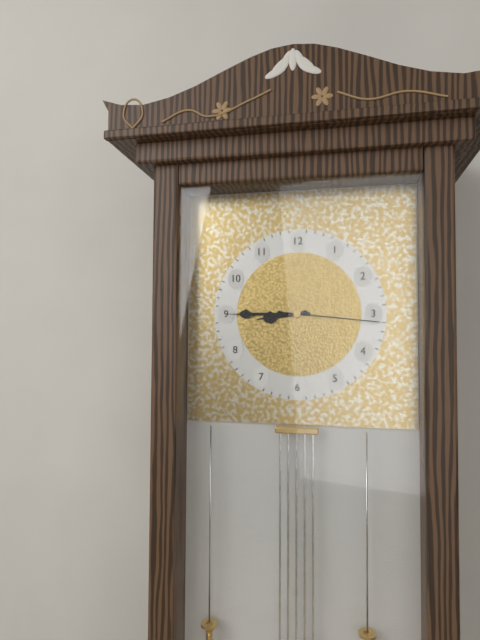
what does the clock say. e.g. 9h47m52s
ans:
8h45m16s
